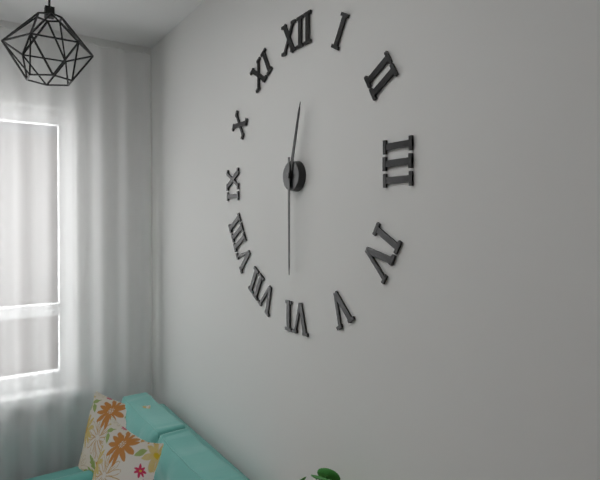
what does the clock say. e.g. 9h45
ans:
12h30
